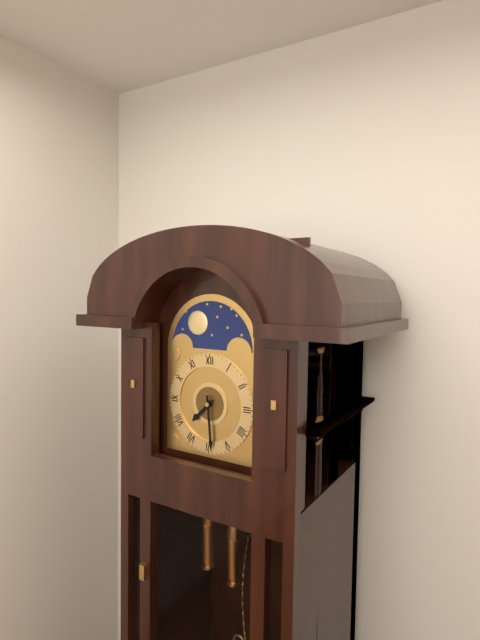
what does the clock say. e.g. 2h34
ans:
7h29
